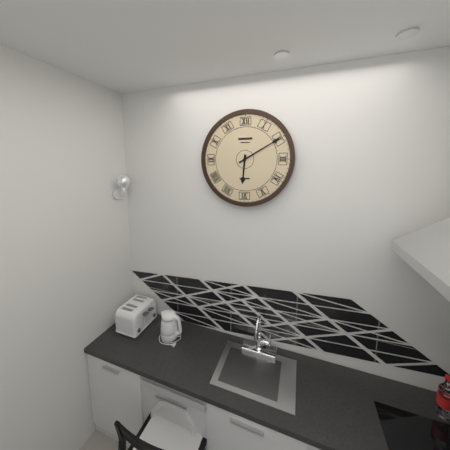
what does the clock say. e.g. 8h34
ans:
6h10
